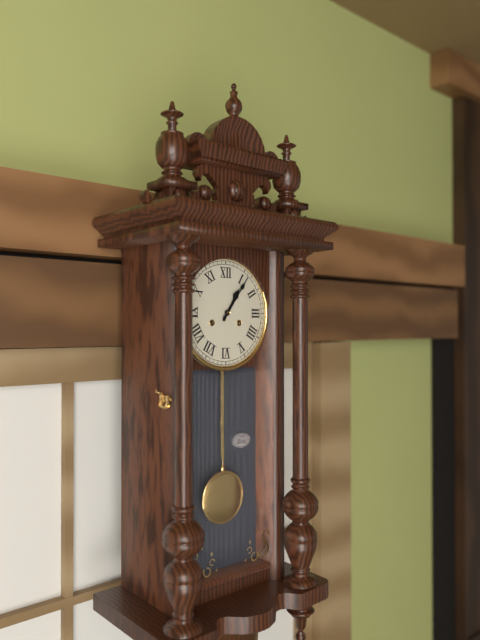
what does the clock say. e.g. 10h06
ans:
1h06
